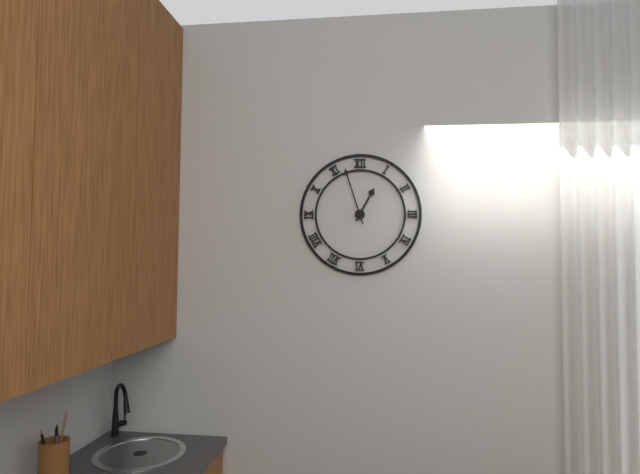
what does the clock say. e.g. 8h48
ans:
12h57
